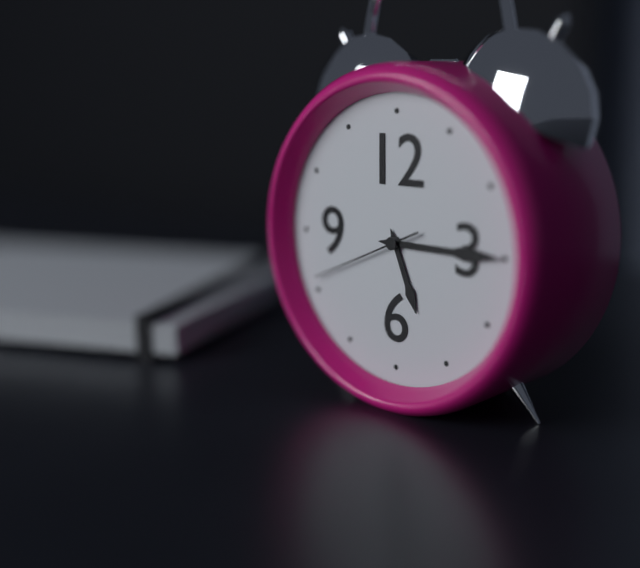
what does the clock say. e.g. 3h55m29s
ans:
5h15m41s
